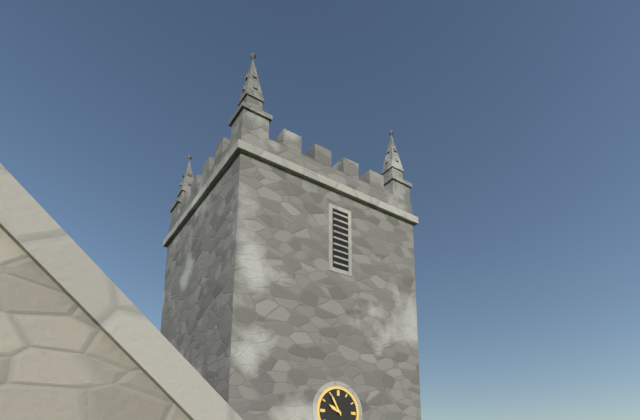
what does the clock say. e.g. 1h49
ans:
9h55
